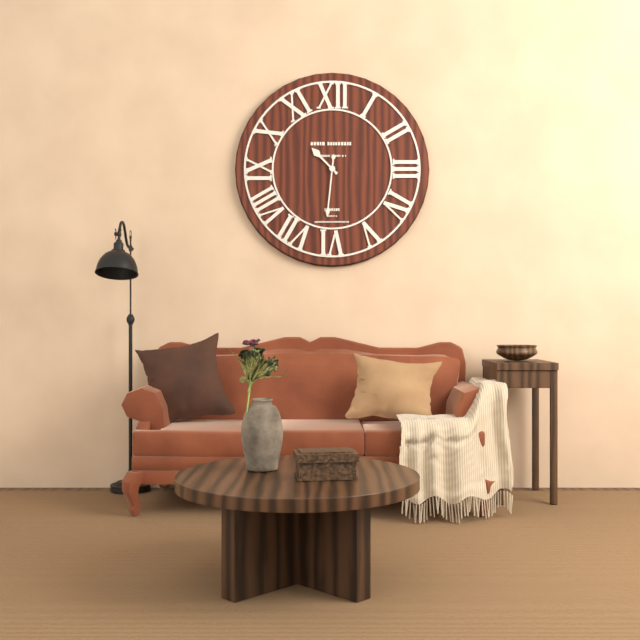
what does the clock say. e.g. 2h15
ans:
10h31
